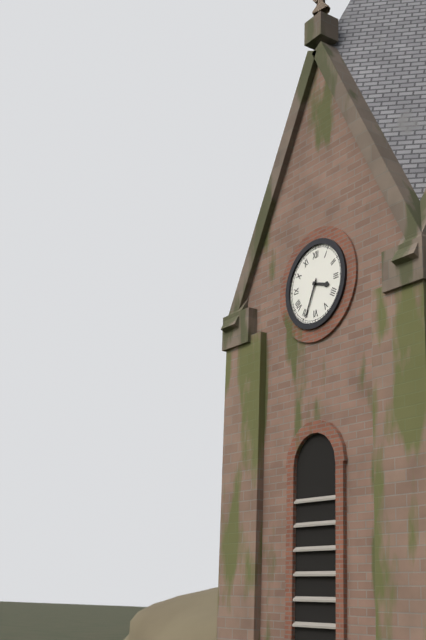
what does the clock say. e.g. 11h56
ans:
3h34
